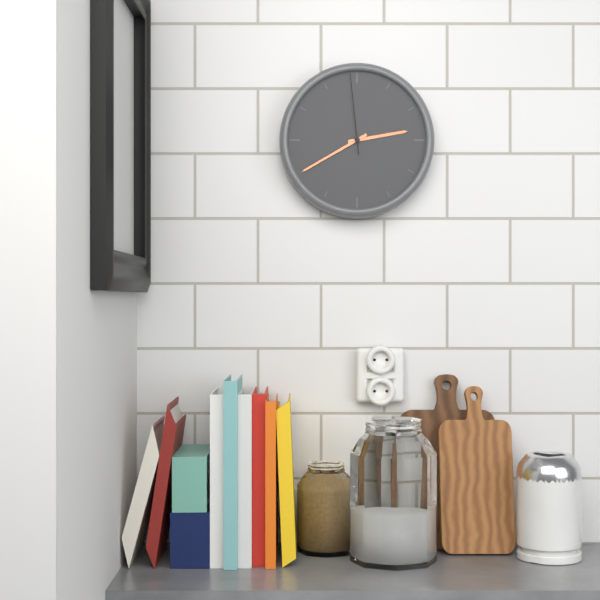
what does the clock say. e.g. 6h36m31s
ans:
2h40m59s
